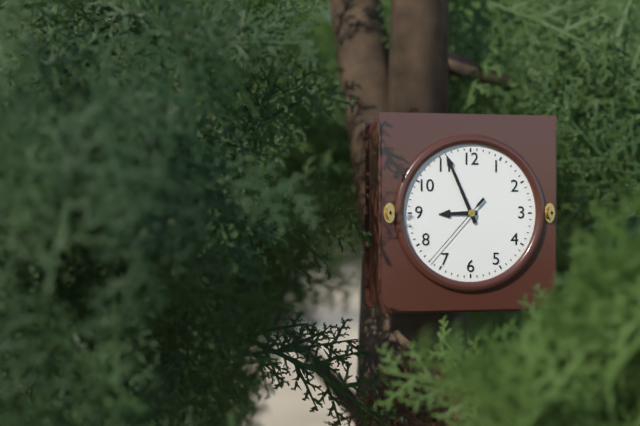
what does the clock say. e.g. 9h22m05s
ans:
8h56m37s
